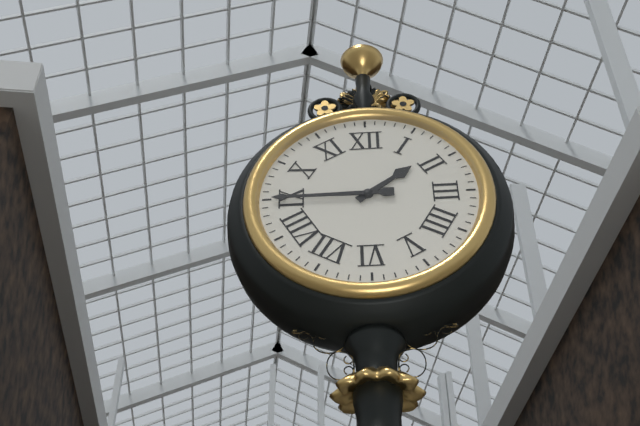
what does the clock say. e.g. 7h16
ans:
1h45
